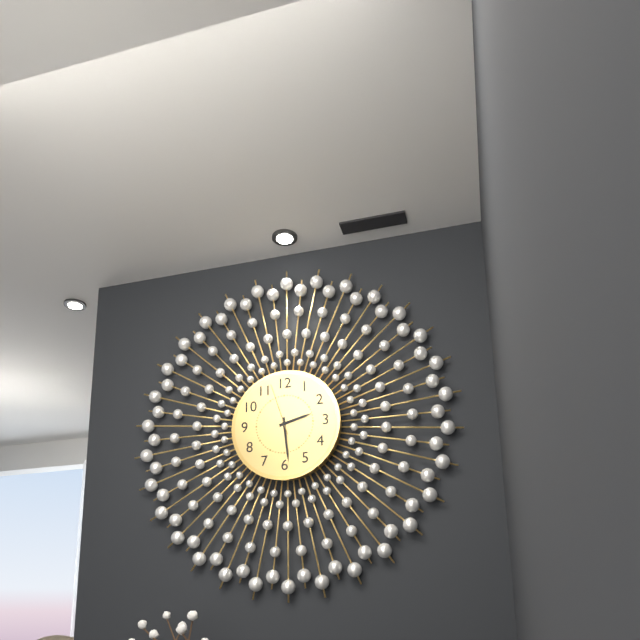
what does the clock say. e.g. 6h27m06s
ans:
2h29m57s
